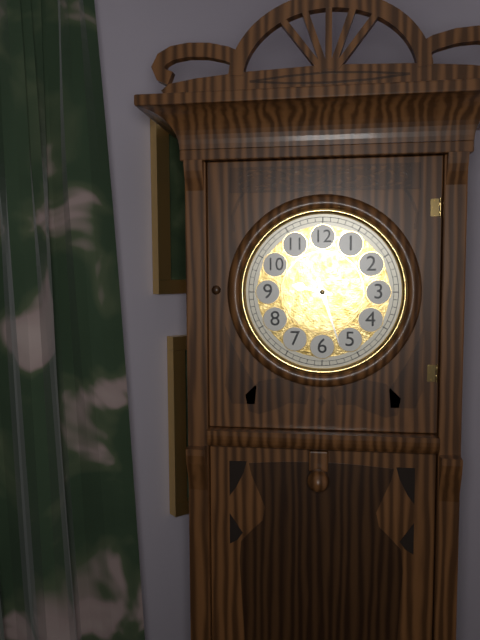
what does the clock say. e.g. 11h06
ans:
9h27
